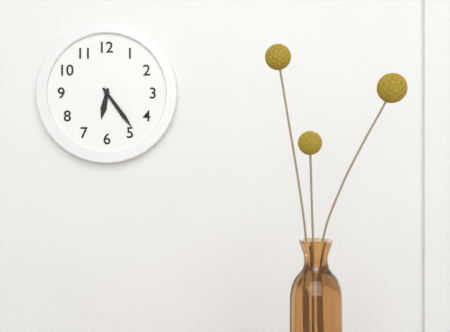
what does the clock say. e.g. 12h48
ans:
6h24
